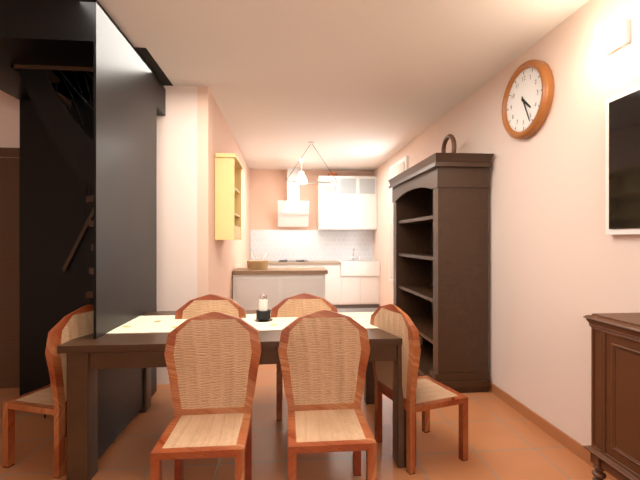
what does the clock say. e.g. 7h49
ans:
4h26
